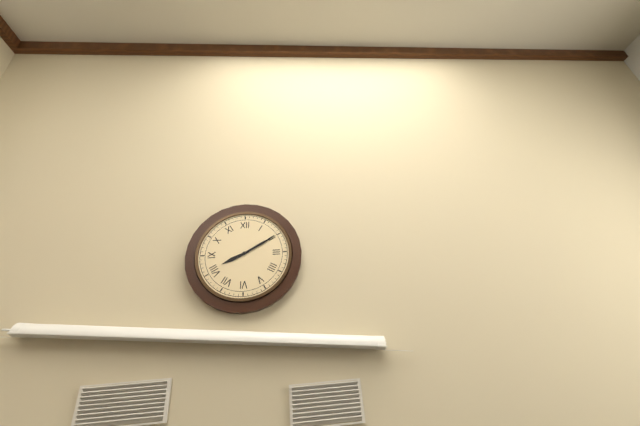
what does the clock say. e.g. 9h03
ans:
8h10
